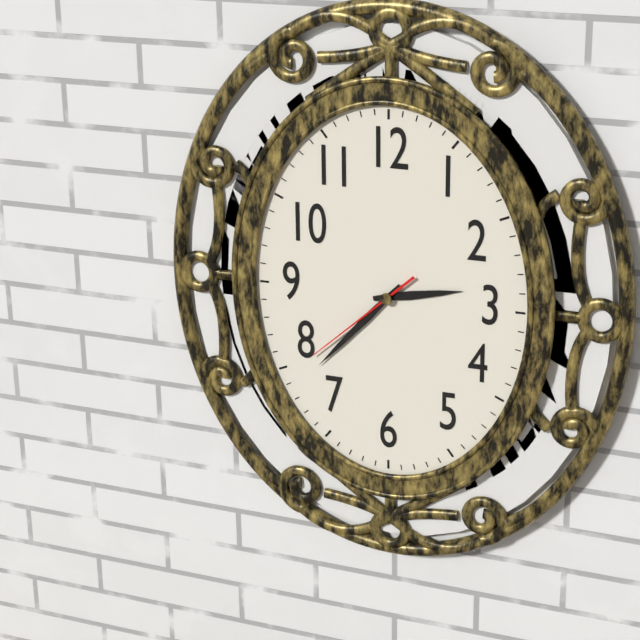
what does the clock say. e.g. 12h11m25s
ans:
2h37m38s
